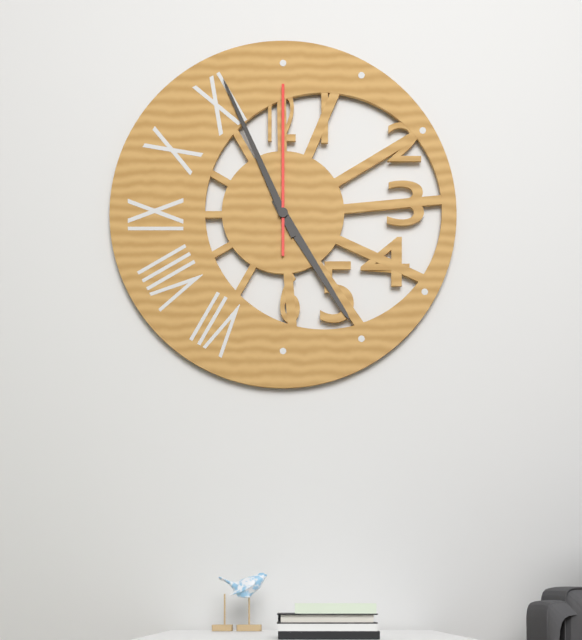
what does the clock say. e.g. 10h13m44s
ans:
4h56m00s
